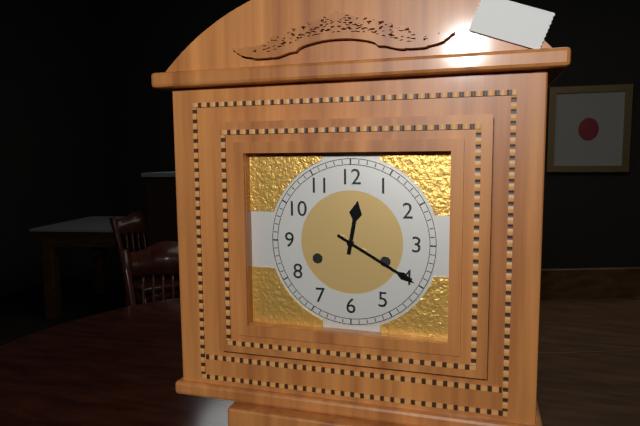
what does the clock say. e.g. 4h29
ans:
12h20
